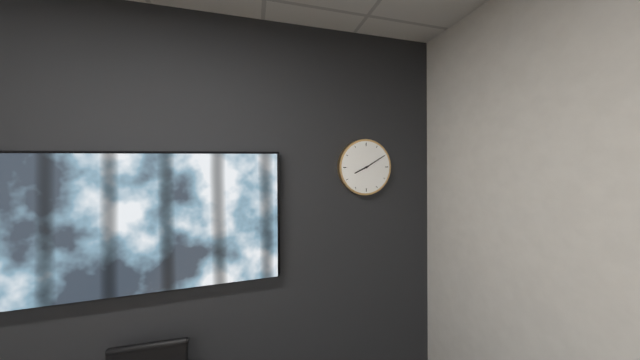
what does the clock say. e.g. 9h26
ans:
8h10
